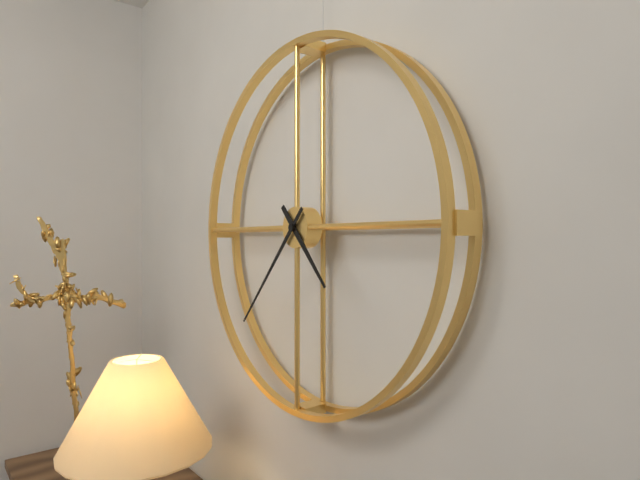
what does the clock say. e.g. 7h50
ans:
4h37
